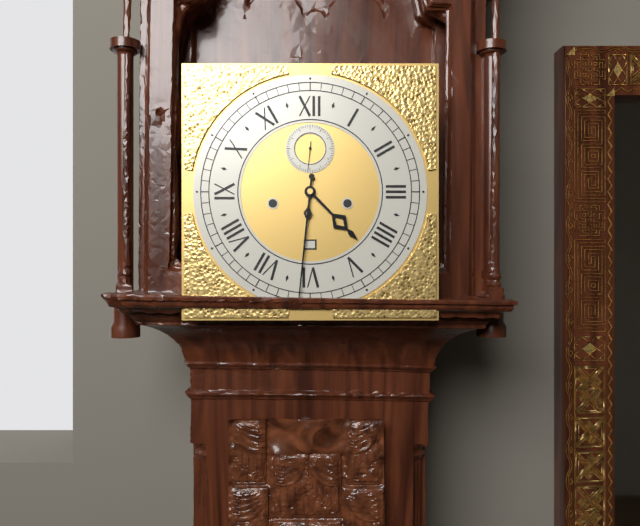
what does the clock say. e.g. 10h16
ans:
4h31
